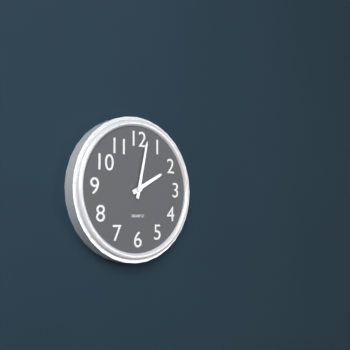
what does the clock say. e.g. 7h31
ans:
2h02
